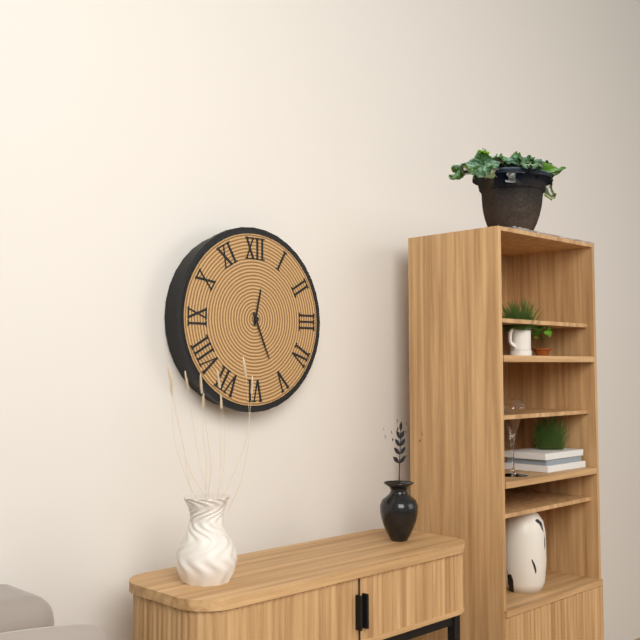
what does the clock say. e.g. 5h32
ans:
12h26
